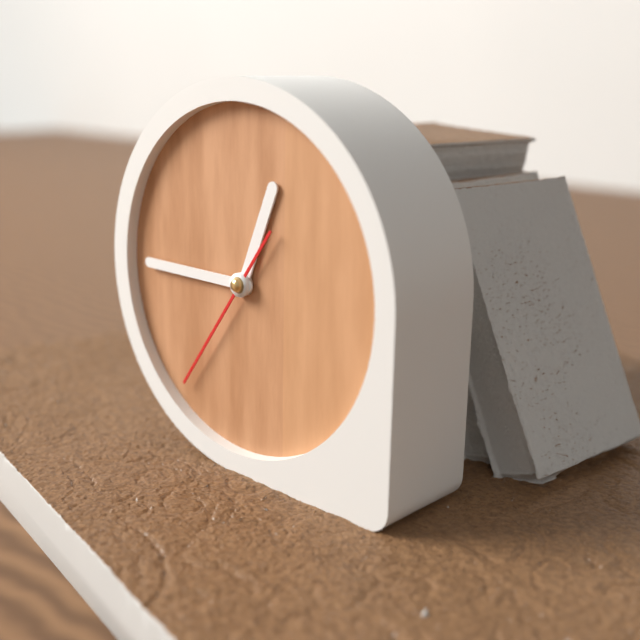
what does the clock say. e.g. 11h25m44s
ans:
12h45m36s
